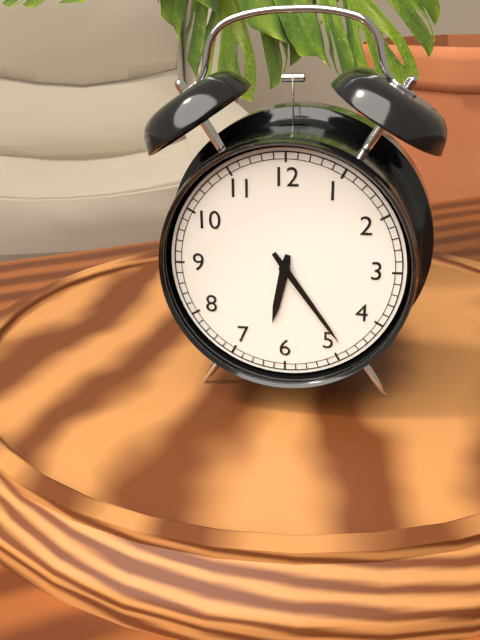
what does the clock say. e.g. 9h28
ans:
6h24
